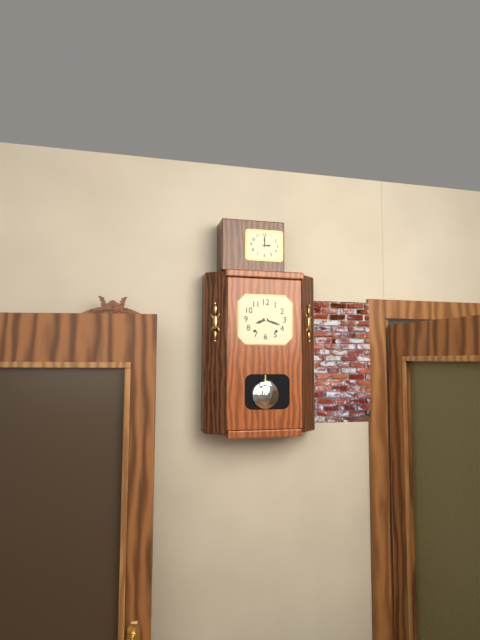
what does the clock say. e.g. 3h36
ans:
8h18
